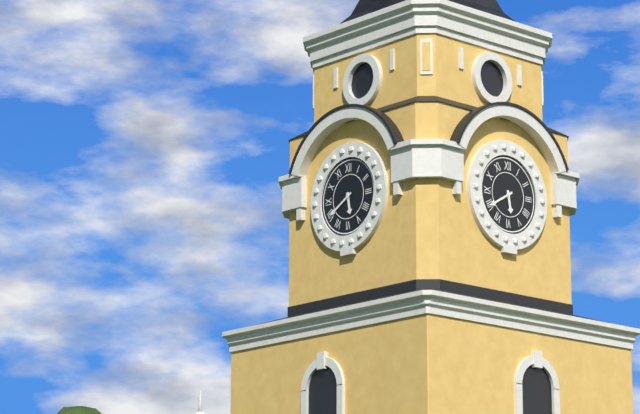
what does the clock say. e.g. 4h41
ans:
5h40
